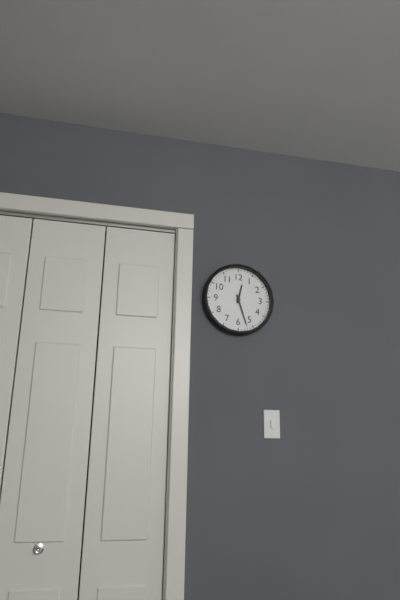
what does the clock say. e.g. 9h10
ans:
12h27
